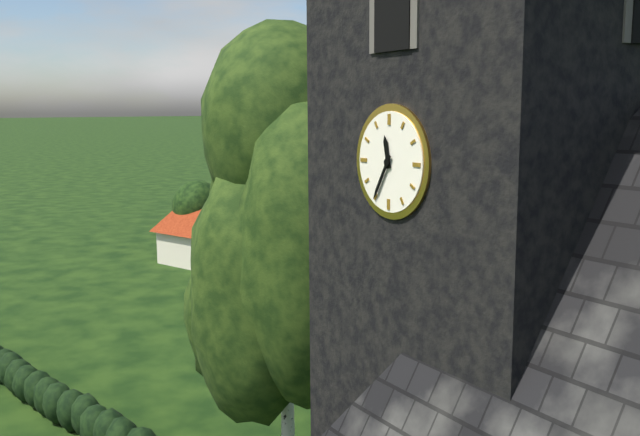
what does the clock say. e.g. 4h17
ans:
11h35
